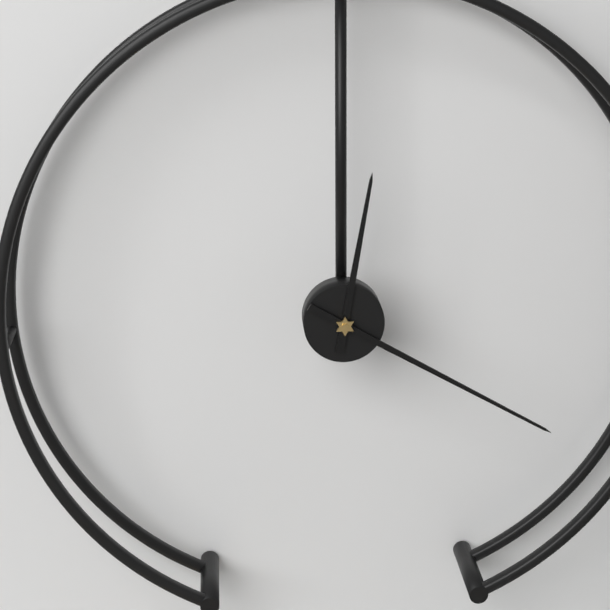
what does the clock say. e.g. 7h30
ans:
12h20
